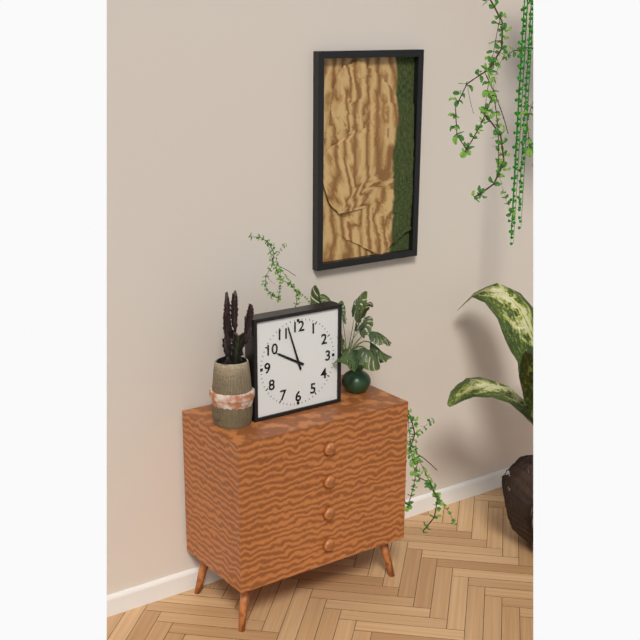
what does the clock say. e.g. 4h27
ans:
9h57
